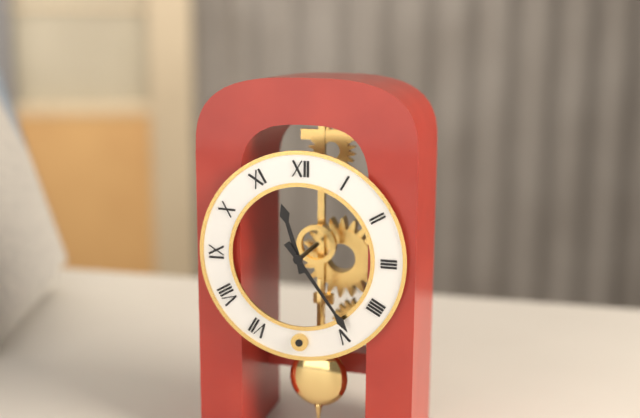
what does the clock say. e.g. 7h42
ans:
11h24
